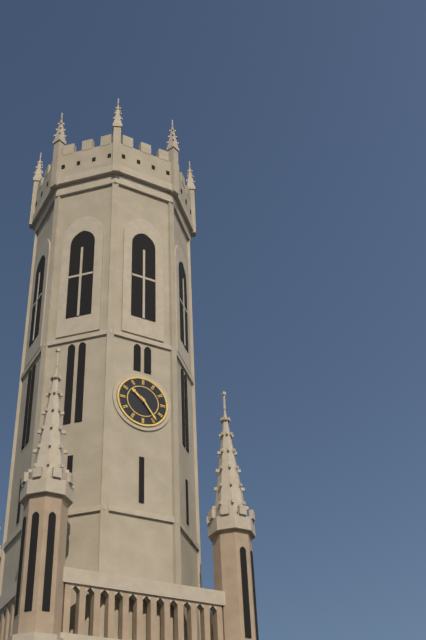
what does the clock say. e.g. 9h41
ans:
10h24
